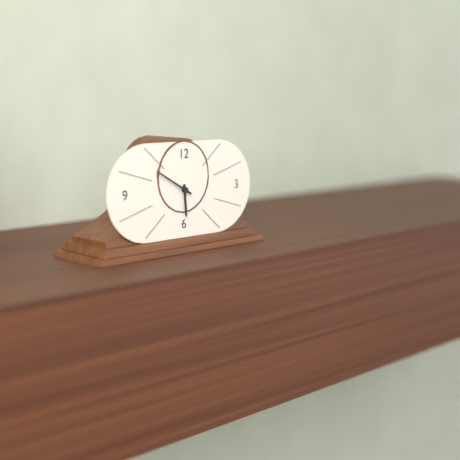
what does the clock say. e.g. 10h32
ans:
5h50
